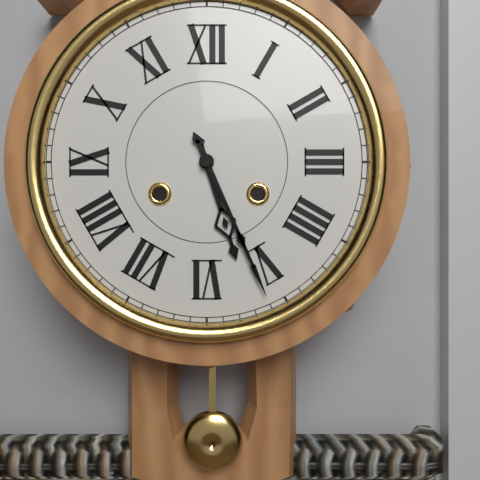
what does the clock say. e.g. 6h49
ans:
5h26
